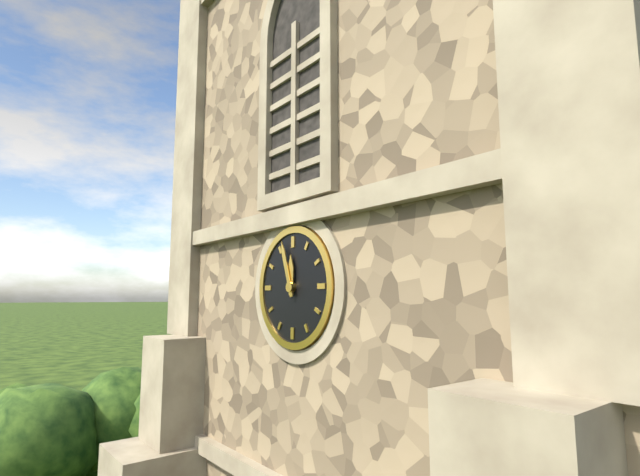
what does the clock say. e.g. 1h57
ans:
11h57
